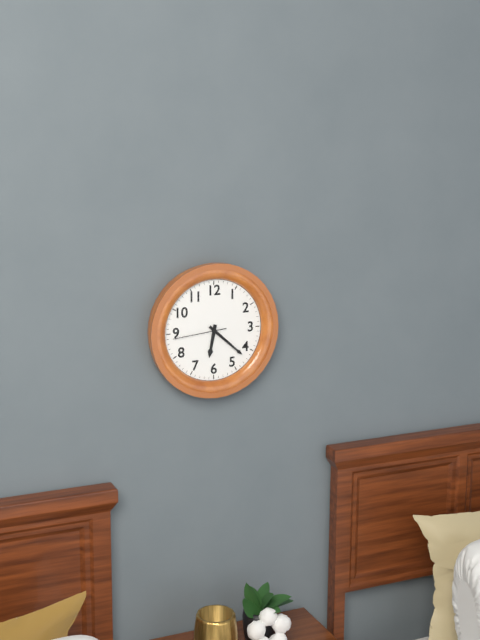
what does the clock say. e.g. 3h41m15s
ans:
6h22m44s
